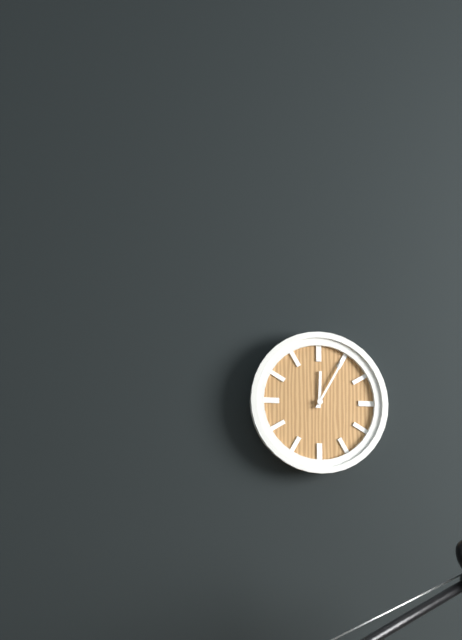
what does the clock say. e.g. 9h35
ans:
12h05
